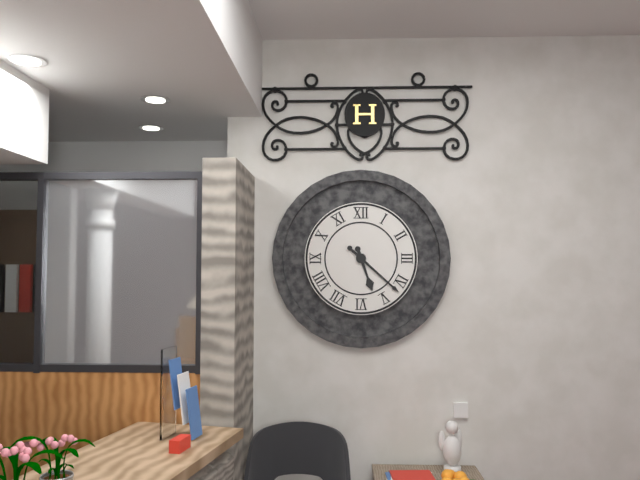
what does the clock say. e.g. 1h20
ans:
5h22
